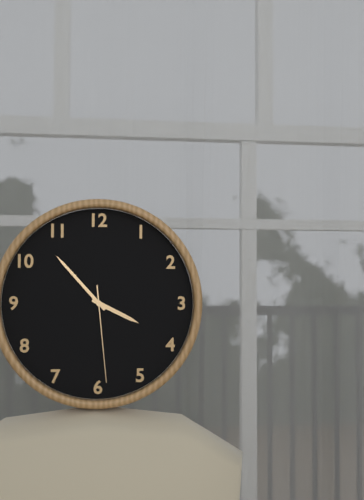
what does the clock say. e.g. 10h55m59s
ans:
3h53m29s
